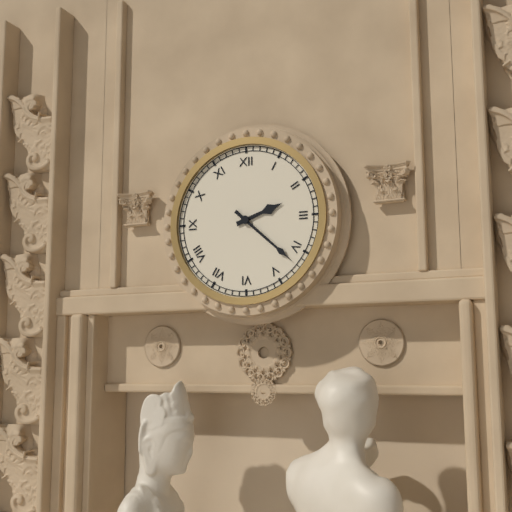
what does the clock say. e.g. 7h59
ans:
2h22
